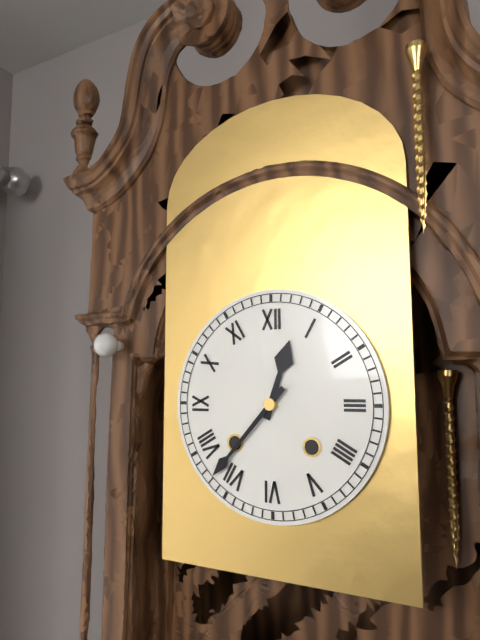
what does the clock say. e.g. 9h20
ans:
12h37
